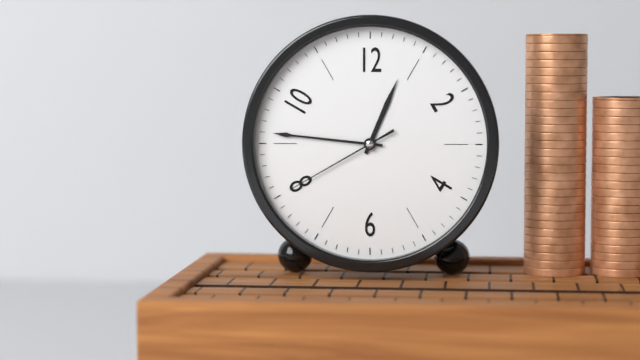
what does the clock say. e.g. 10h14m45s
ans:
12h46m40s
